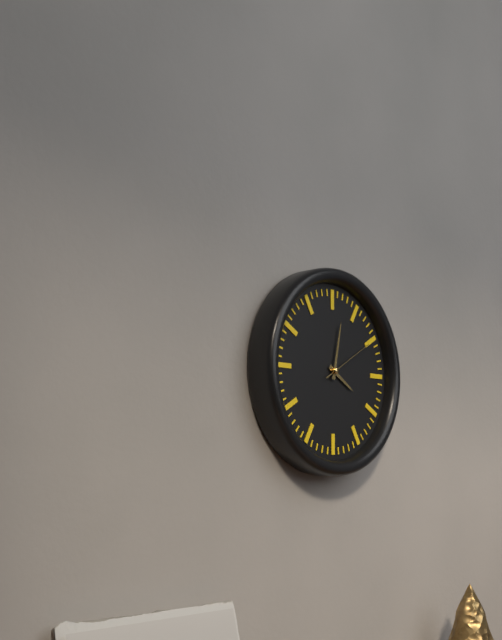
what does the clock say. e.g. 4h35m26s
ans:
4h02m10s
